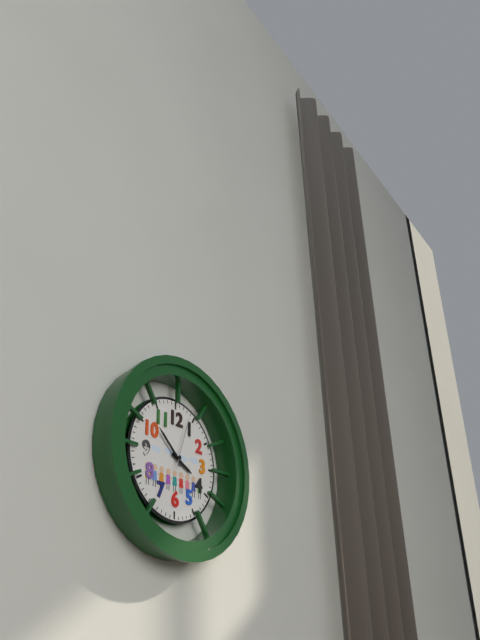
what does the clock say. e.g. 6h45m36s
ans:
3h52m03s
